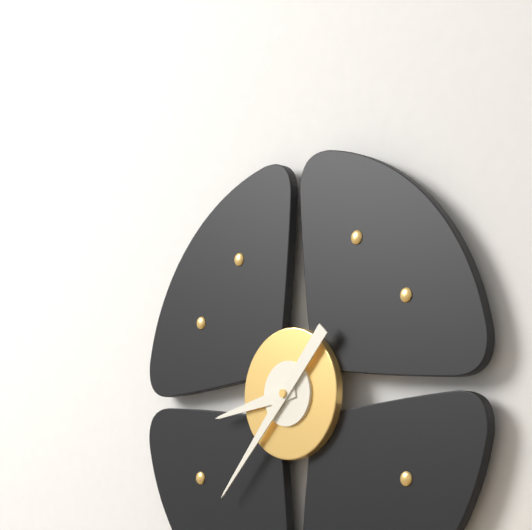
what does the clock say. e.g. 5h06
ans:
8h37
